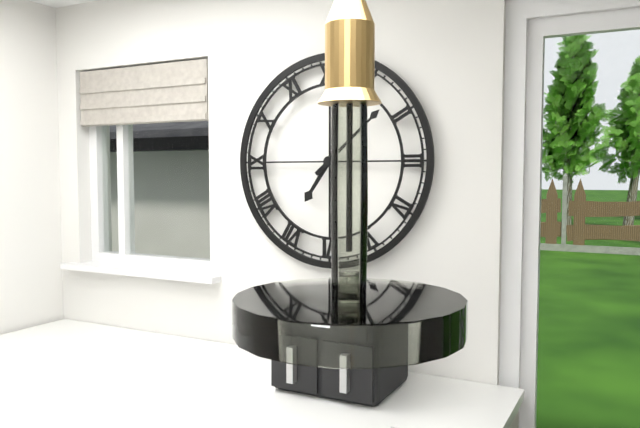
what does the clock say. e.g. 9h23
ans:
7h08
